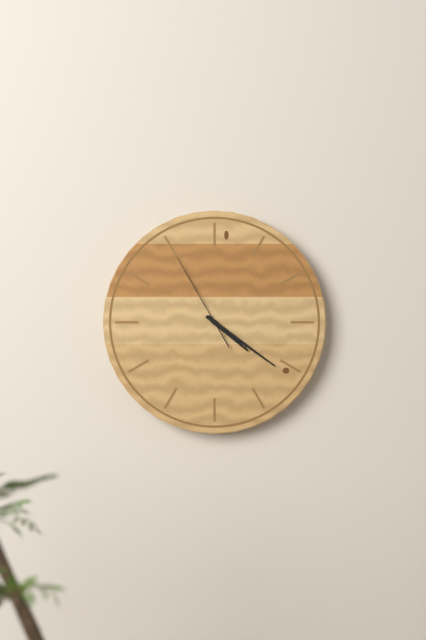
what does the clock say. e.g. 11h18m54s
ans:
4h21m55s
